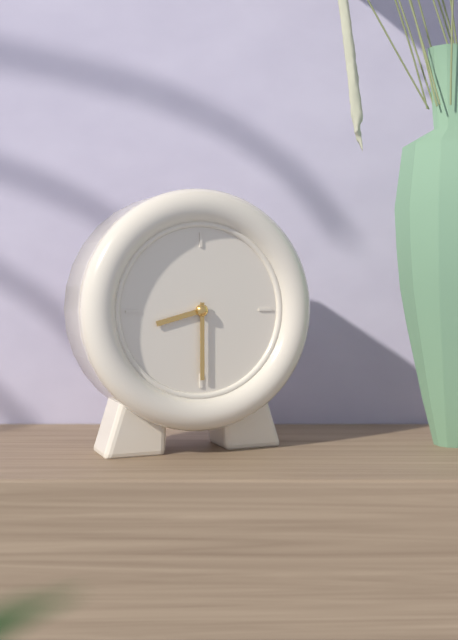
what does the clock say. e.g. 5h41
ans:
8h30
